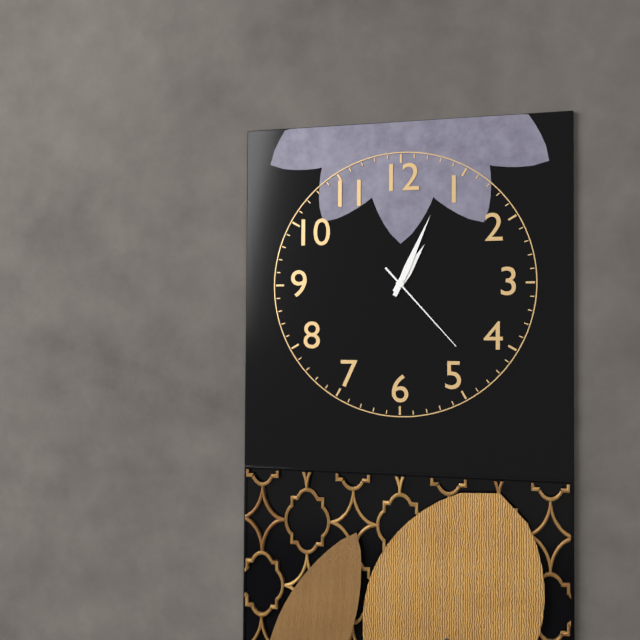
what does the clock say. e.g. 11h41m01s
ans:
1h04m23s
